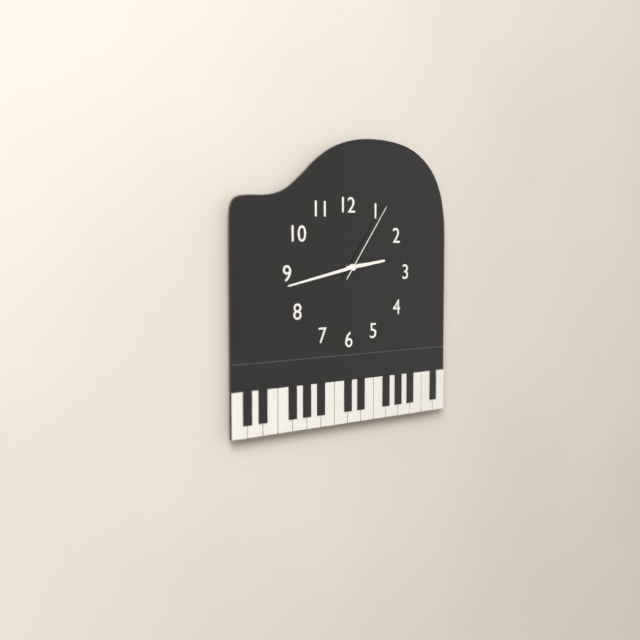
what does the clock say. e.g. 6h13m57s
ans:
2h43m06s
